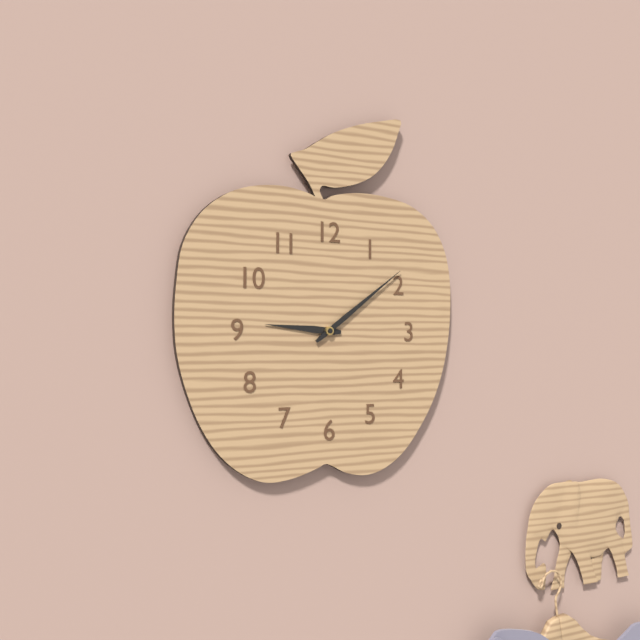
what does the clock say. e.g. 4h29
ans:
9h09
